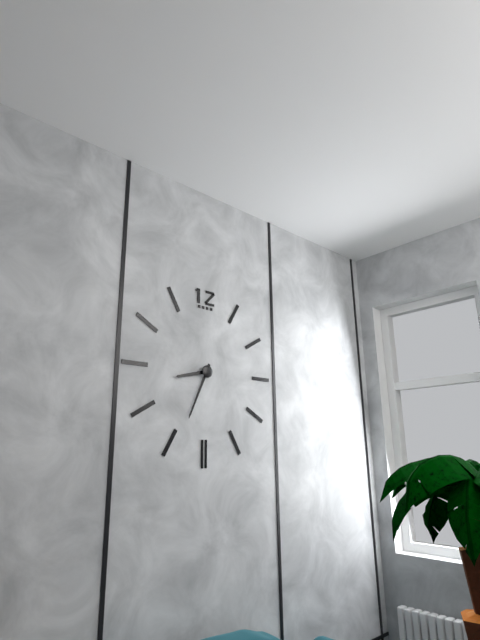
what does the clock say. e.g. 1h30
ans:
8h34
